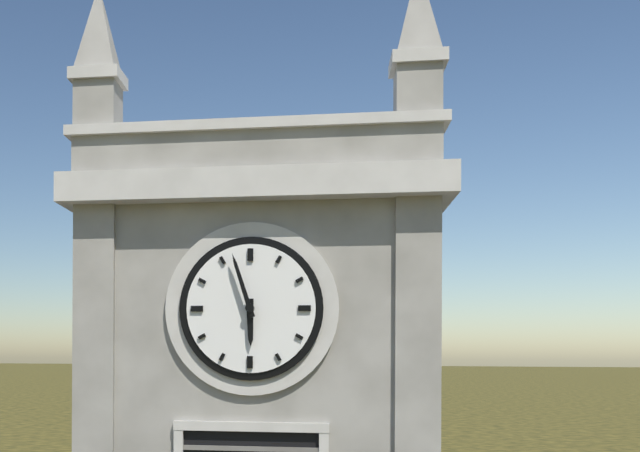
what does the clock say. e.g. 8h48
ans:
5h57
